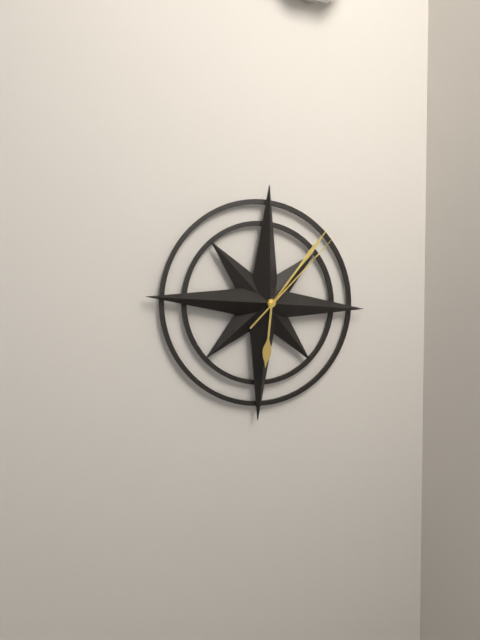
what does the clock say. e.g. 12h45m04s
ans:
6h06m07s
